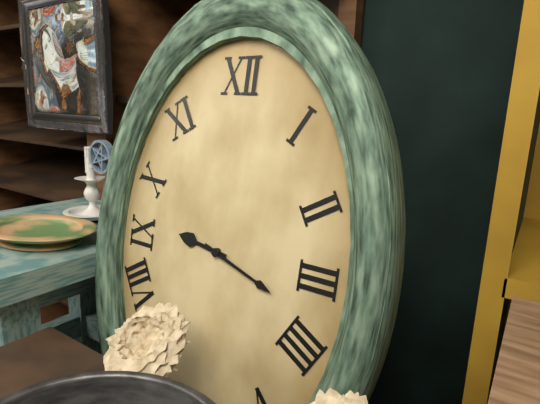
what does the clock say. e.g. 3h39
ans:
9h18
